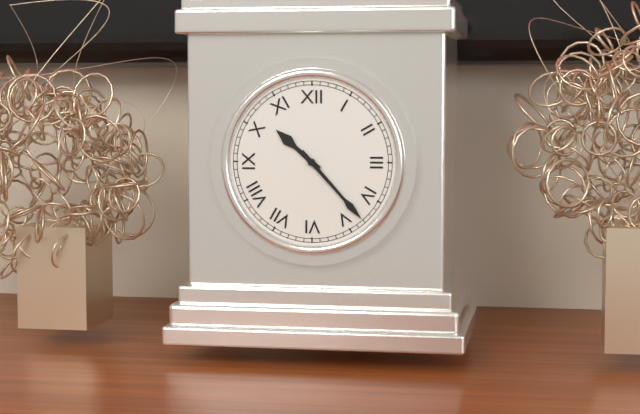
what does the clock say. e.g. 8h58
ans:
10h23
